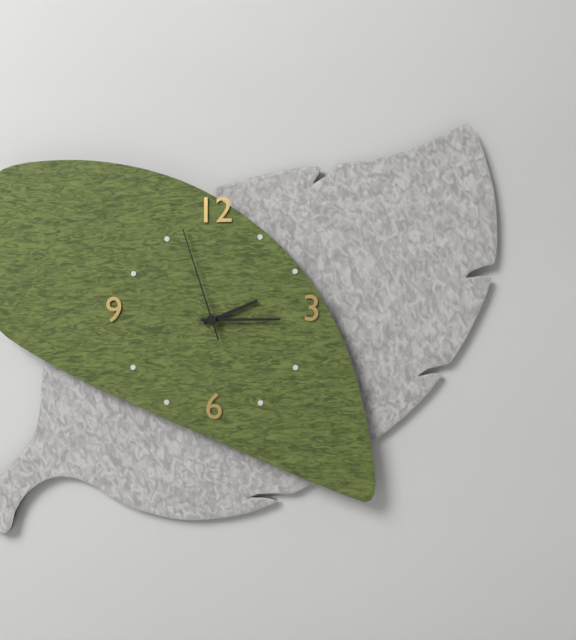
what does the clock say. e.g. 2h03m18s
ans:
2h15m57s
